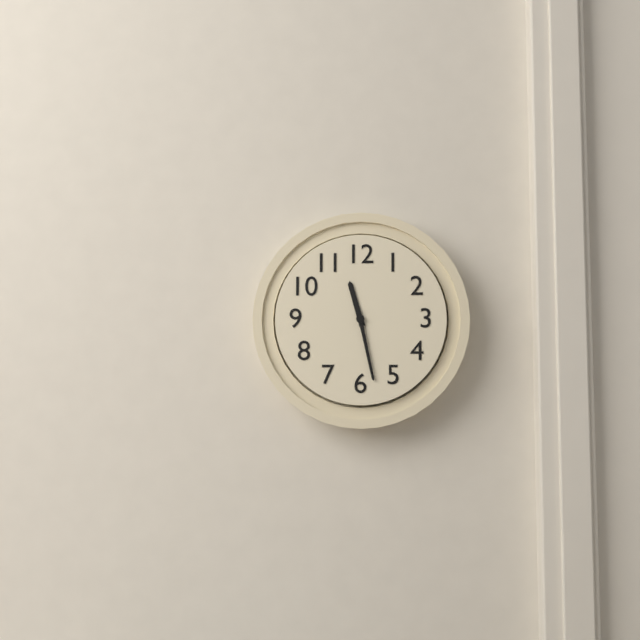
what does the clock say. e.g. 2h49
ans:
11h28
